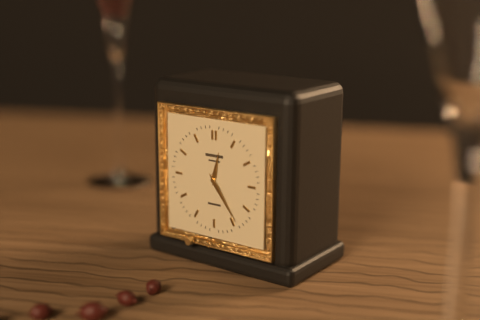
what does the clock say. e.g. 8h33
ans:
12h24
